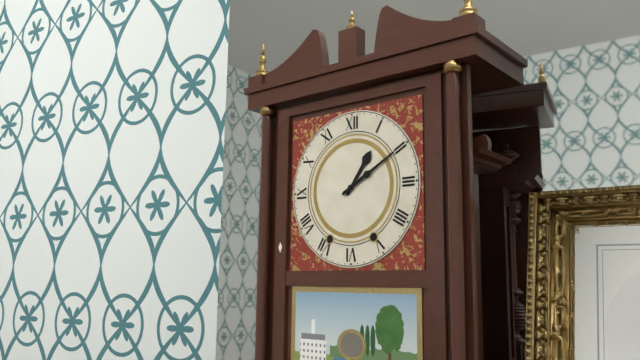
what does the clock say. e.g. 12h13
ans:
1h10
